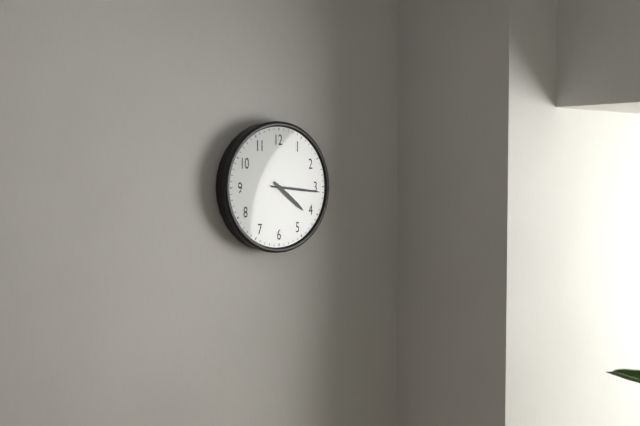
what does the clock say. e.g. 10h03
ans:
4h16
